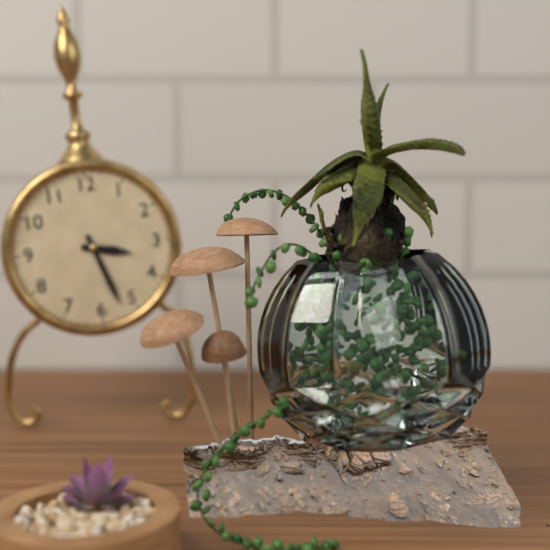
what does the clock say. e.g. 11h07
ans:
3h27
